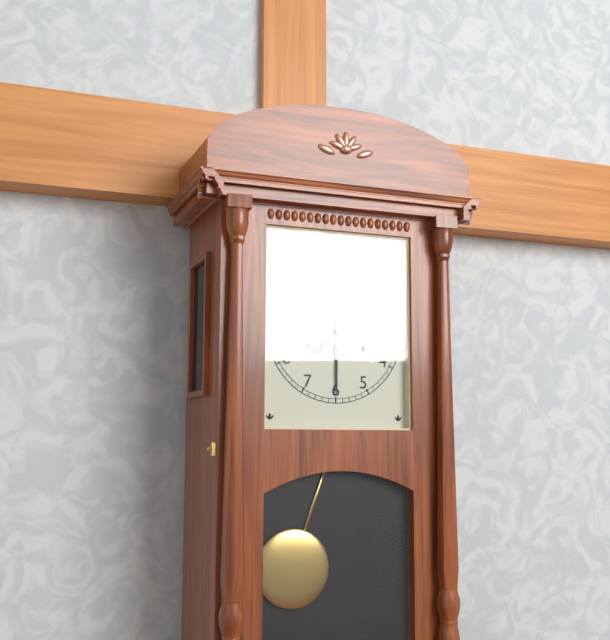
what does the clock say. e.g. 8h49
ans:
7h30
